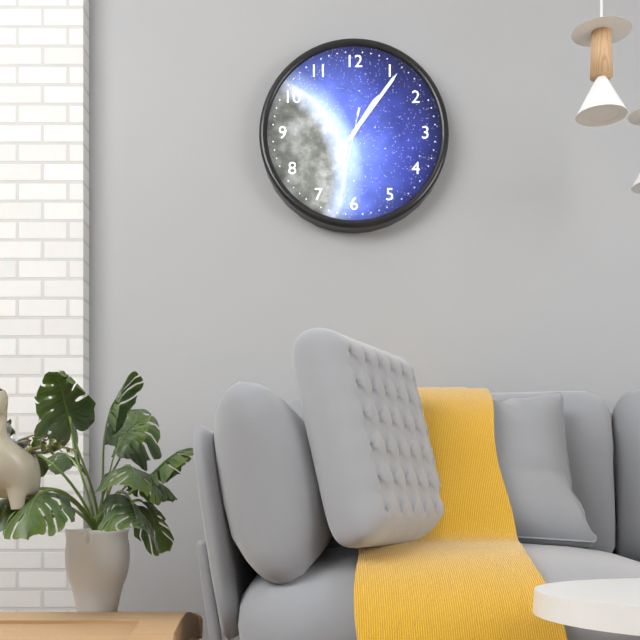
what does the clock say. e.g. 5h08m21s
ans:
1h06m32s
